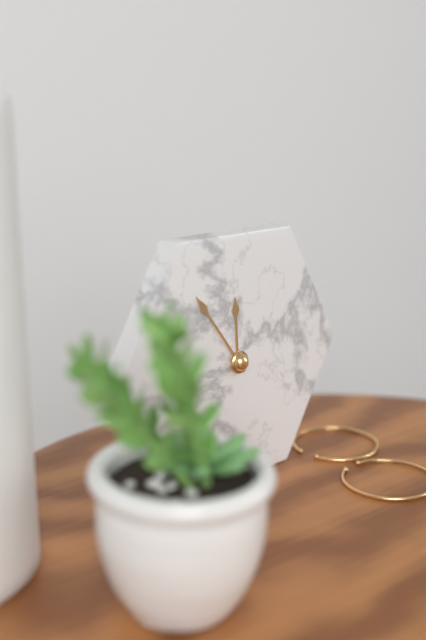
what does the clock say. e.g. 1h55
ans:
11h54
